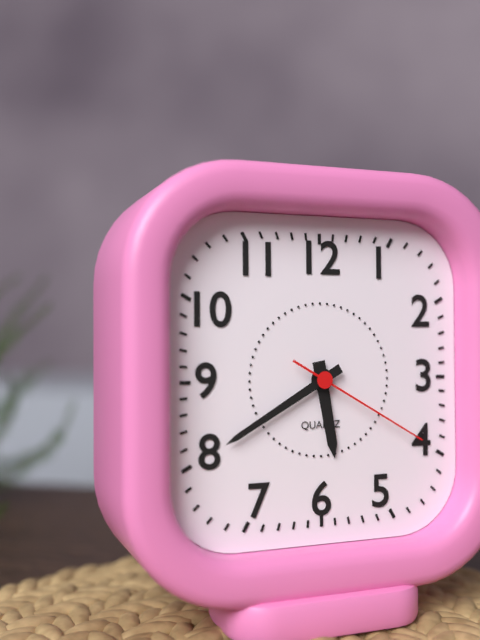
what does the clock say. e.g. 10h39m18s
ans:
5h40m20s
